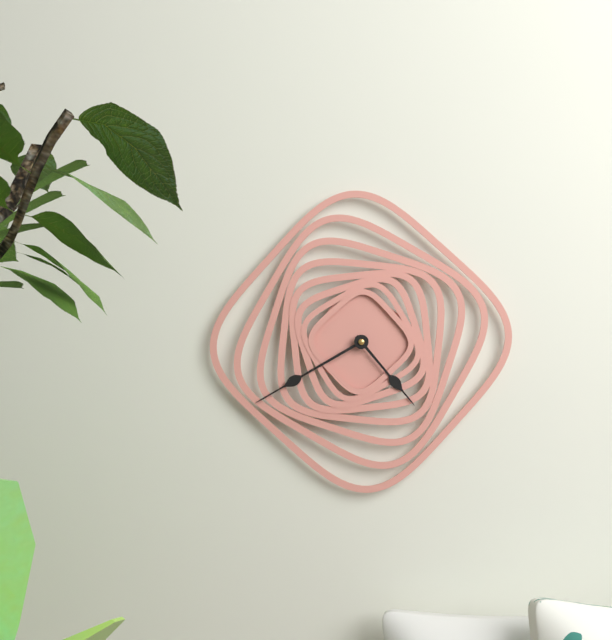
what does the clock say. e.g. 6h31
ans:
4h40
